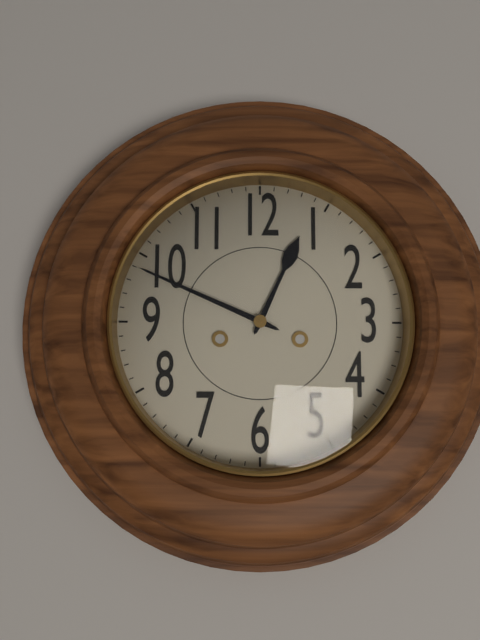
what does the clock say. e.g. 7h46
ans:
12h49
